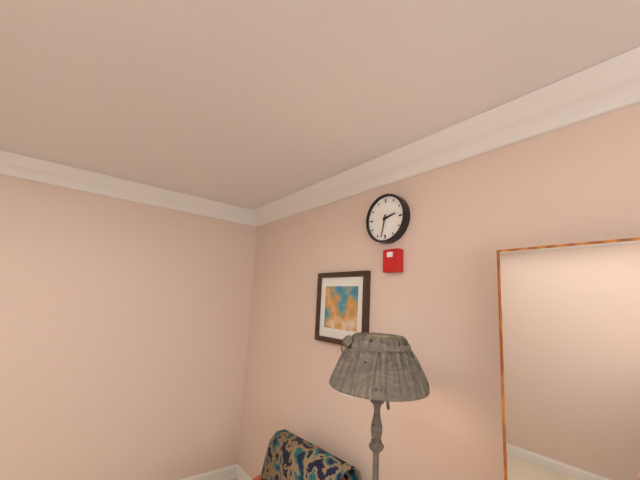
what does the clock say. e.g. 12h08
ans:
2h32
